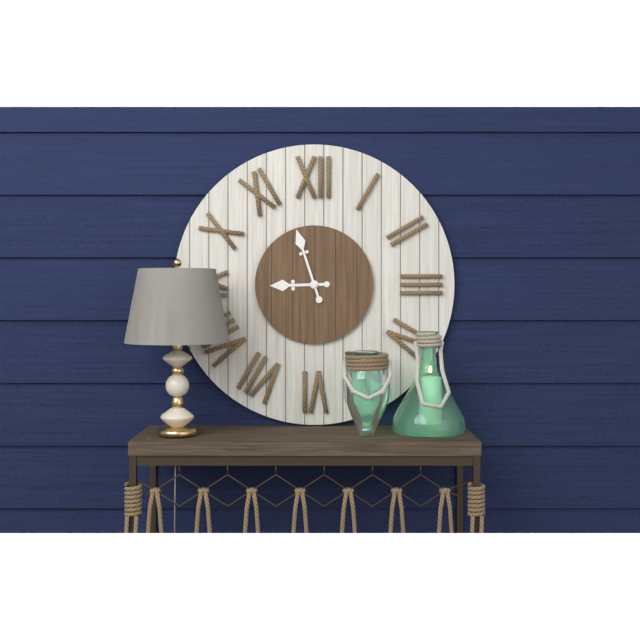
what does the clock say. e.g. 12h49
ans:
8h57
